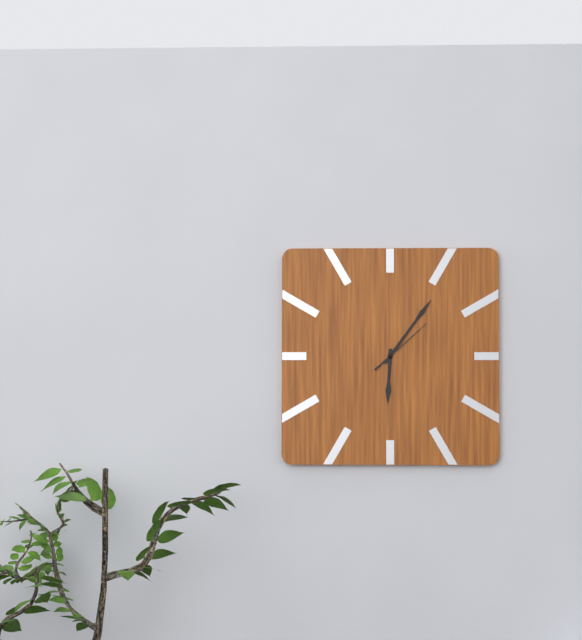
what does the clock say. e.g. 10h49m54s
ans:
6h06m08s
